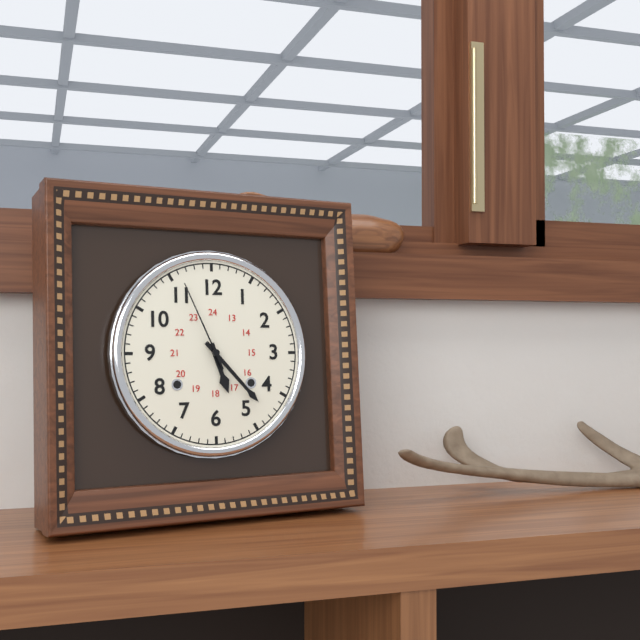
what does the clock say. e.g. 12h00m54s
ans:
5h23m56s
